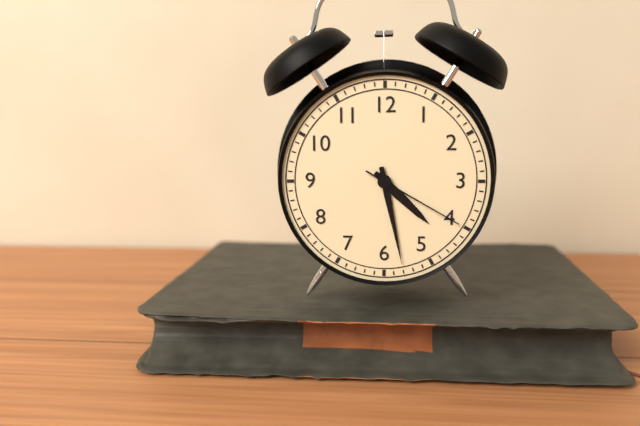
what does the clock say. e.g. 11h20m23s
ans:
4h28m20s
